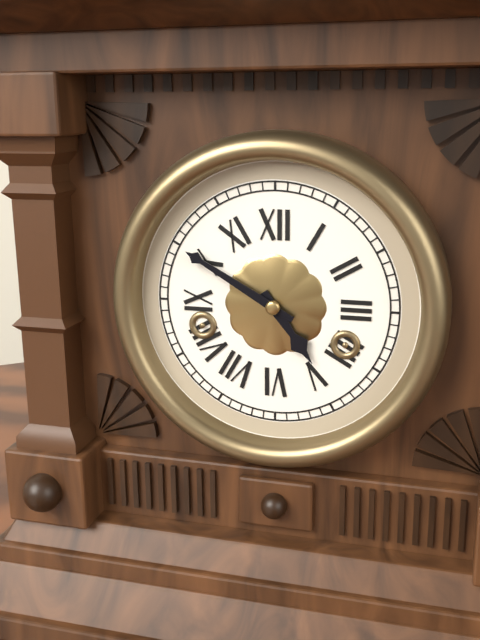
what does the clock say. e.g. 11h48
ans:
4h50
